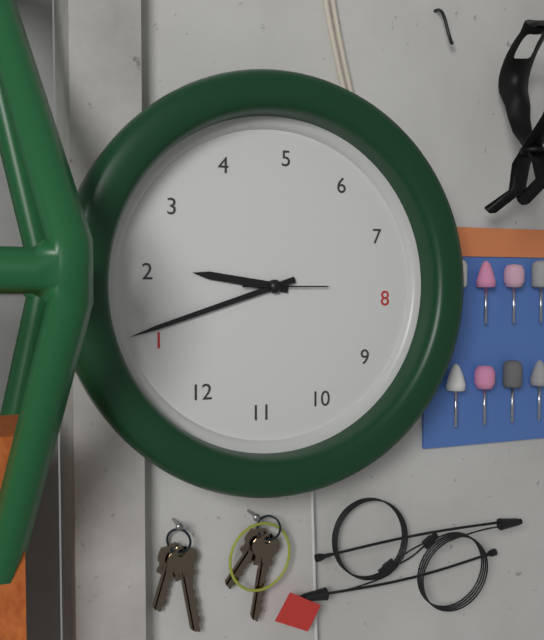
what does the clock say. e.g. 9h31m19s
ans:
2h06m39s
